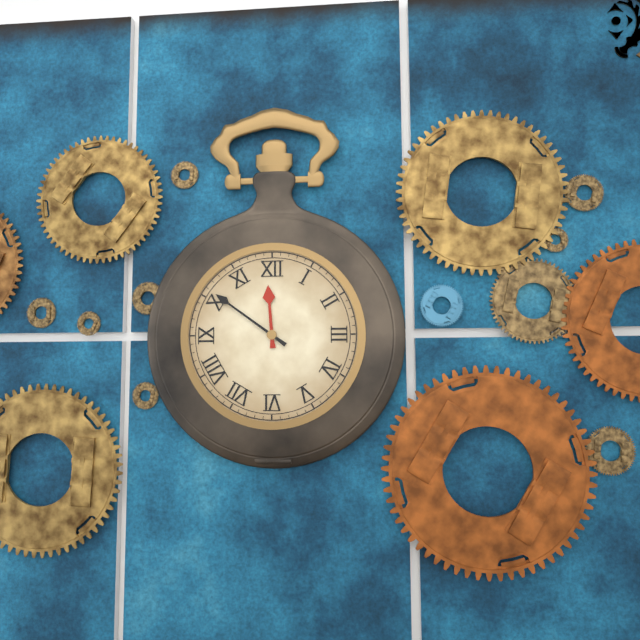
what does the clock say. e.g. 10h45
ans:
11h51
